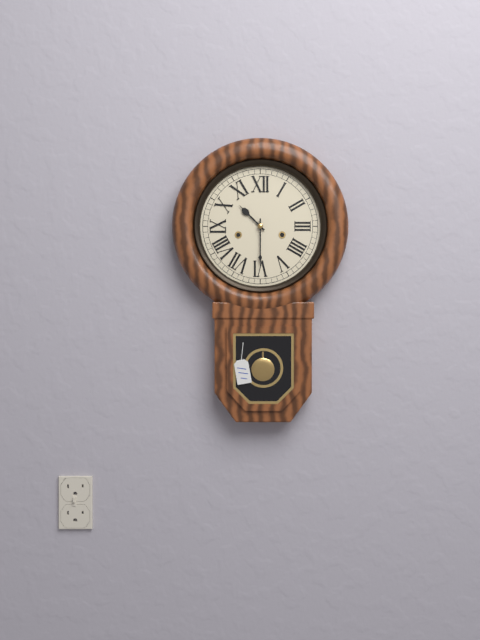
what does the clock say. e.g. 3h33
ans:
10h30
